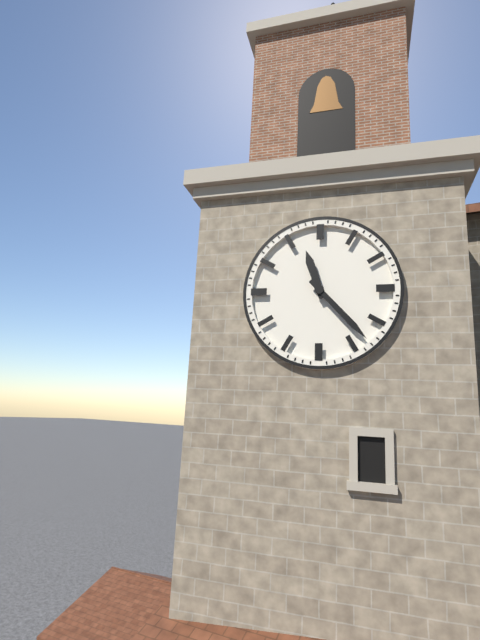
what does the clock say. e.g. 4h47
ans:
11h23
